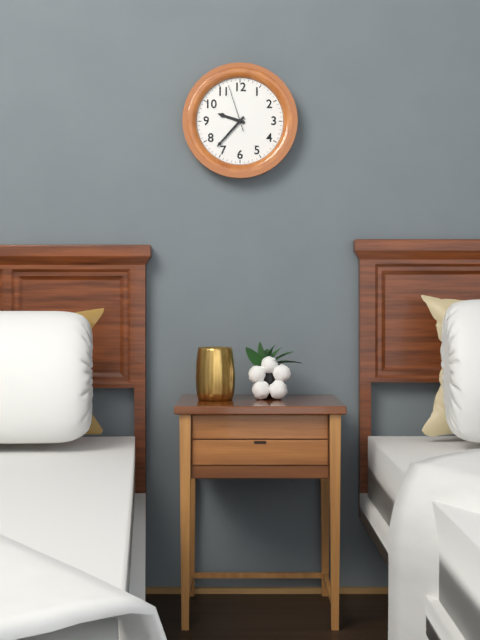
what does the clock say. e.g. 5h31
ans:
9h37
